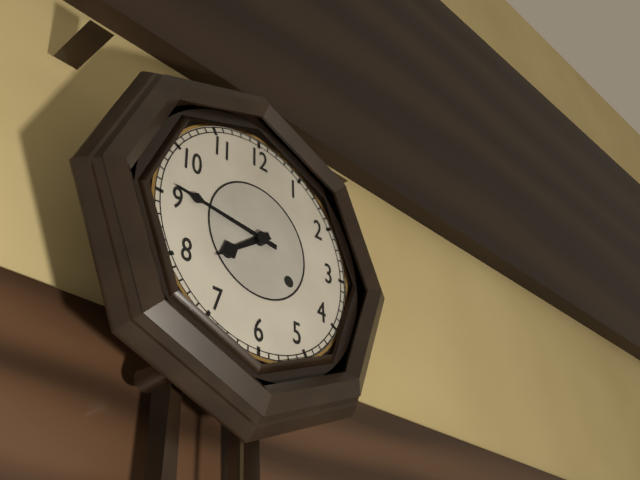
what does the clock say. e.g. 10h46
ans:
7h46
